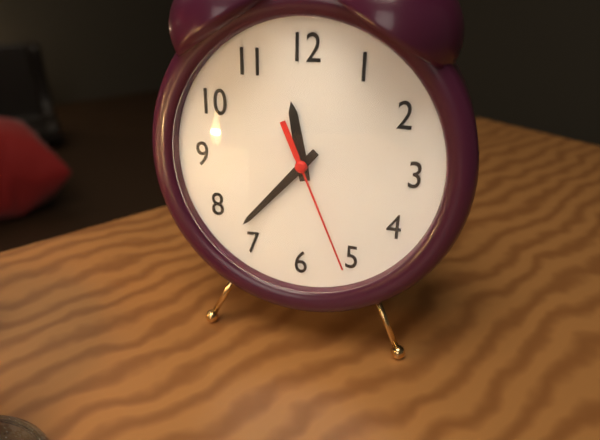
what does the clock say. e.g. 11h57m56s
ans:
11h37m26s
